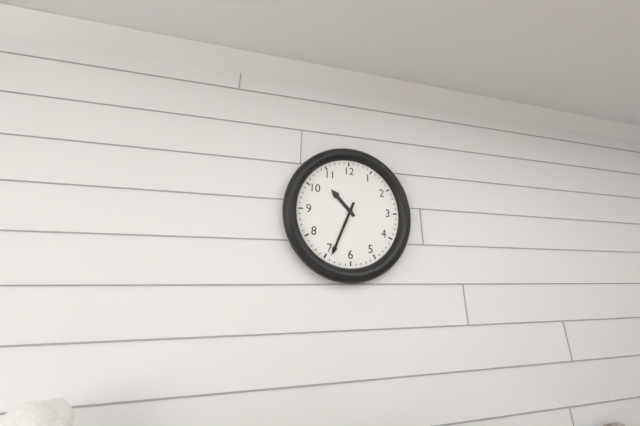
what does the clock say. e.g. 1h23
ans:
10h34
